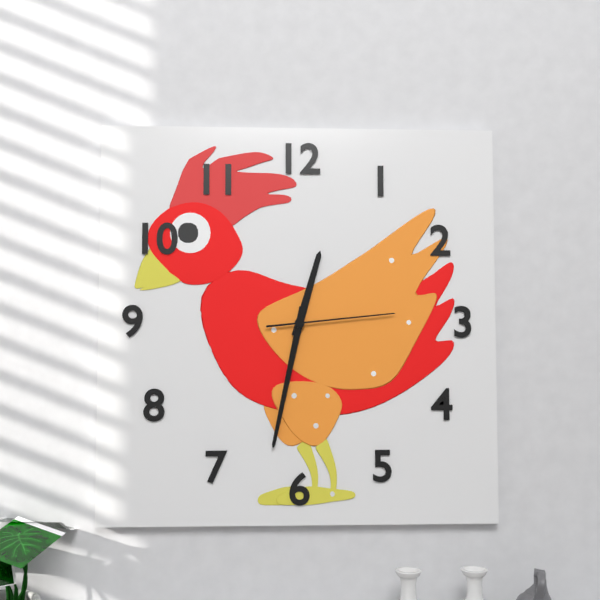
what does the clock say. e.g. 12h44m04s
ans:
12h32m14s
